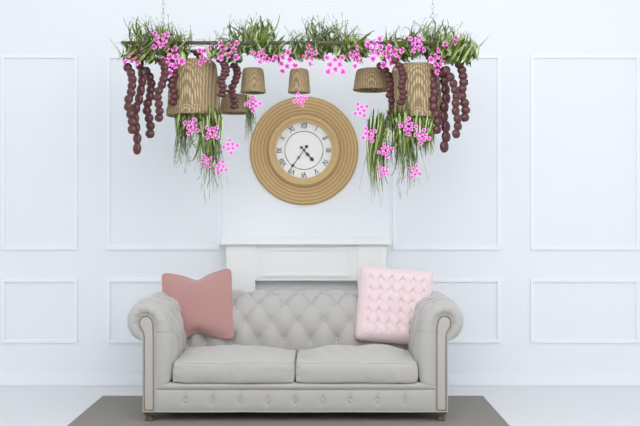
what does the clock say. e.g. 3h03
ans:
4h36
